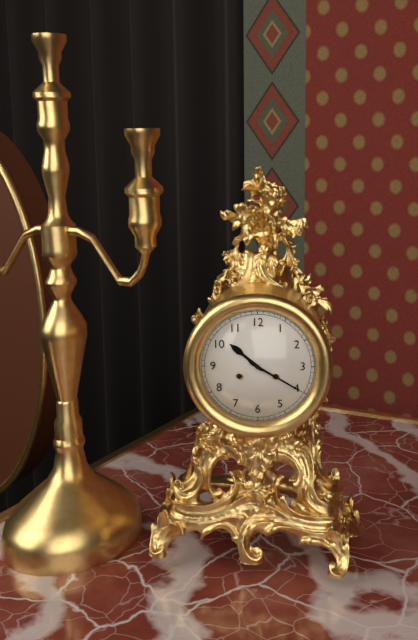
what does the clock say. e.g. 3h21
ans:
10h20
